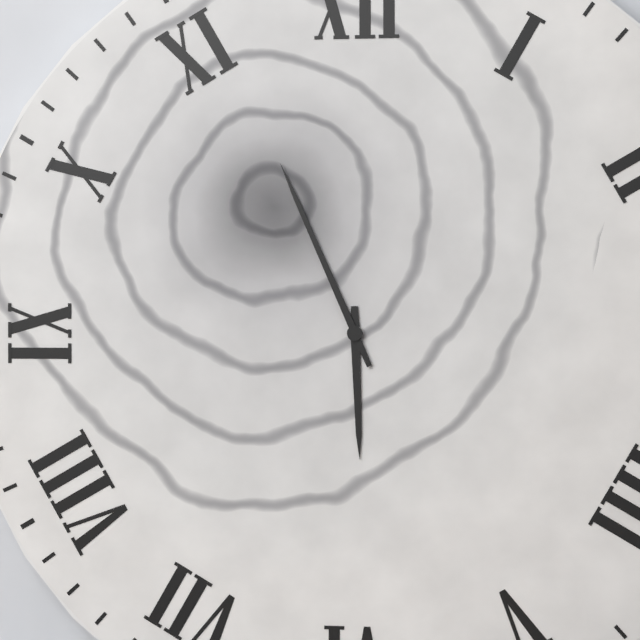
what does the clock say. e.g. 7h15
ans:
5h56
